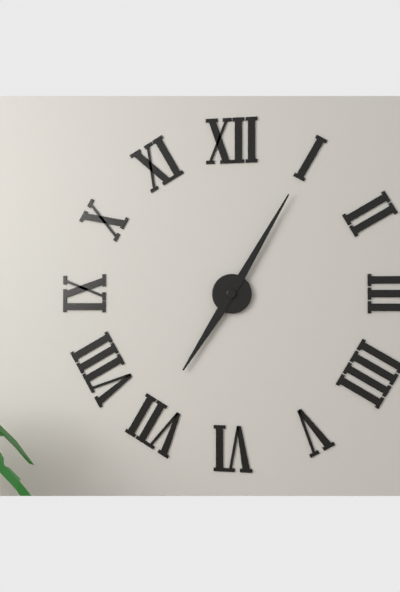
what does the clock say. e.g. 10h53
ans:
7h05
